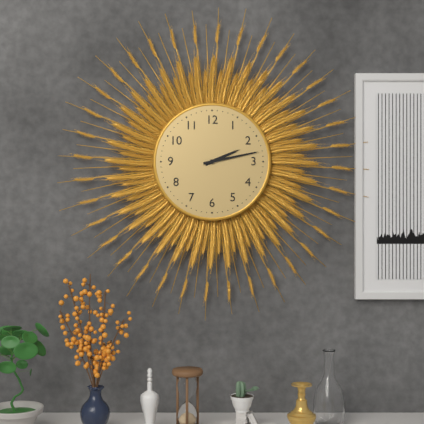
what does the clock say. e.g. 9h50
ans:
2h13
